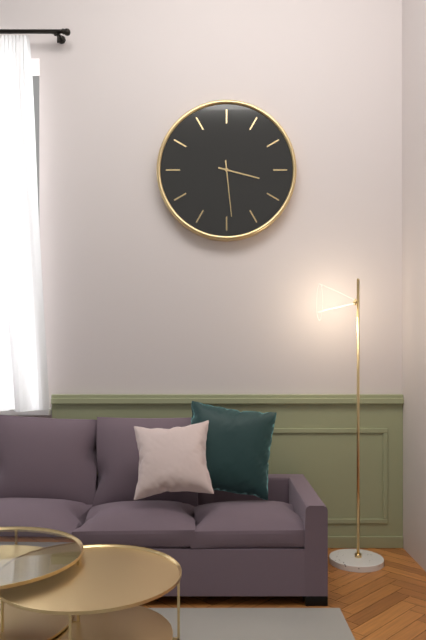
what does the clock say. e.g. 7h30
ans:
3h29
